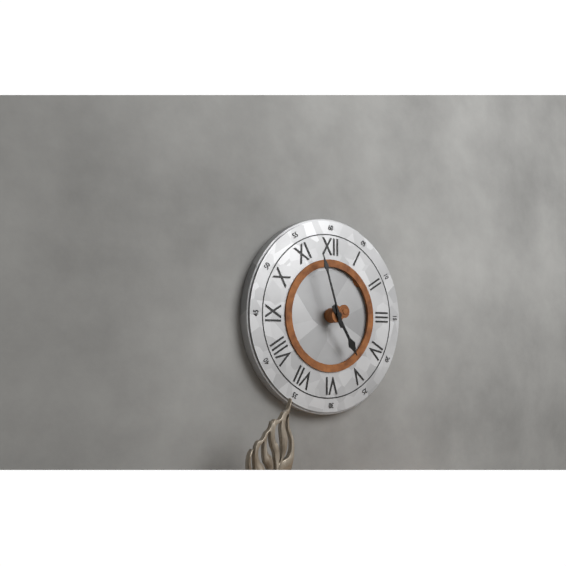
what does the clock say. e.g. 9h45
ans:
4h57
